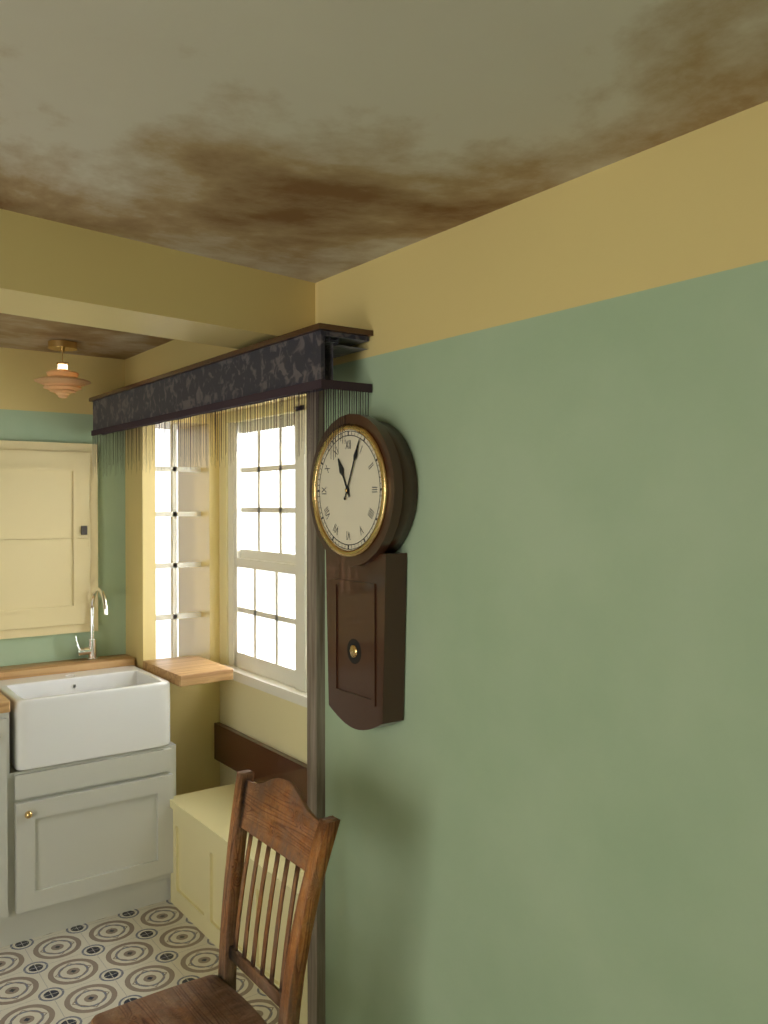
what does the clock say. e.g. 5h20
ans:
11h04
